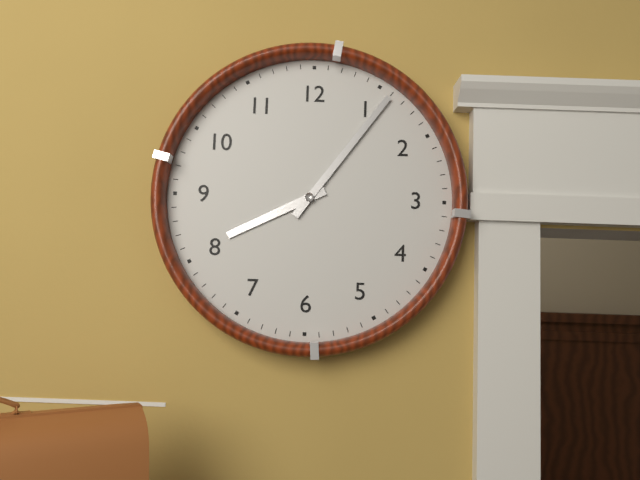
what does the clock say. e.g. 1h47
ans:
8h06
